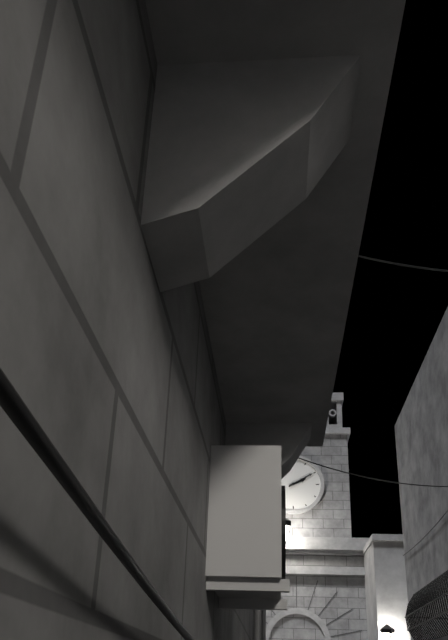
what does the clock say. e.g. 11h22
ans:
2h10
